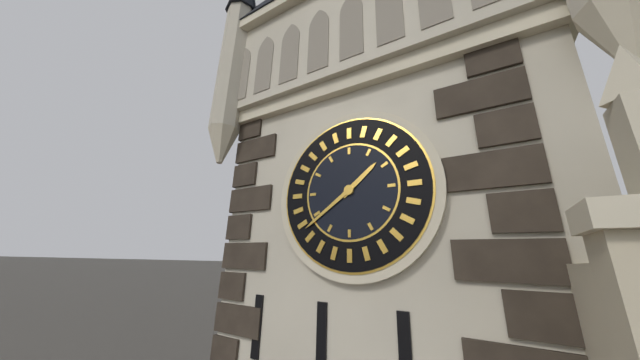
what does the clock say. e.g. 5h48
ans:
1h39
